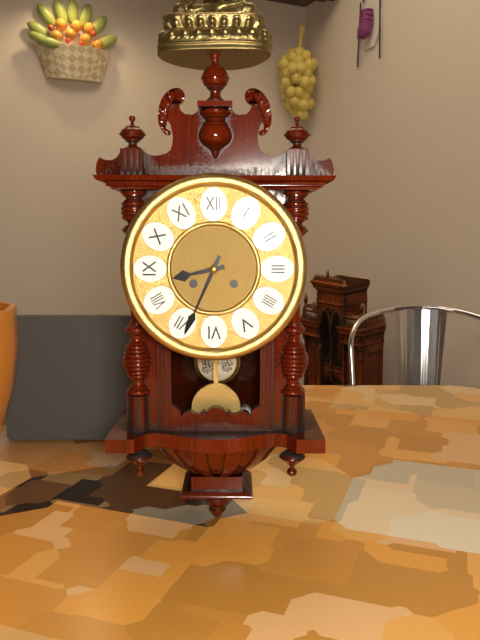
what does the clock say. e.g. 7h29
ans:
8h34
